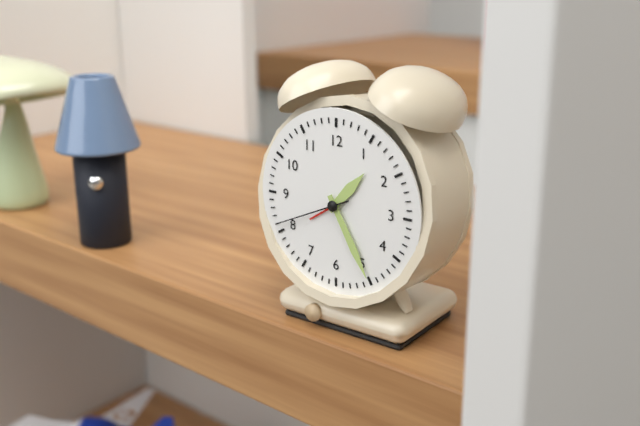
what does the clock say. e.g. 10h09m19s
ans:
1h25m41s
